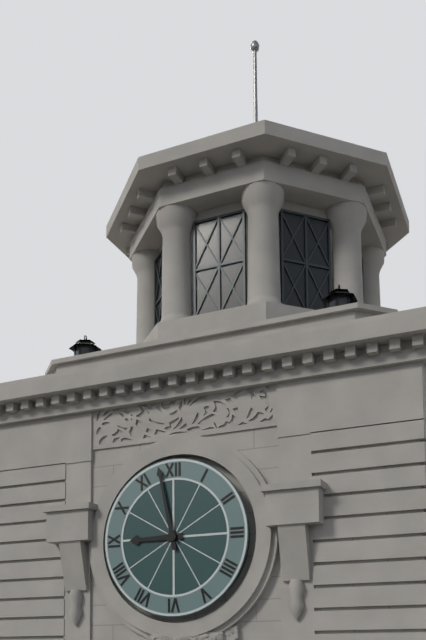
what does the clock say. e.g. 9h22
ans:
8h58
